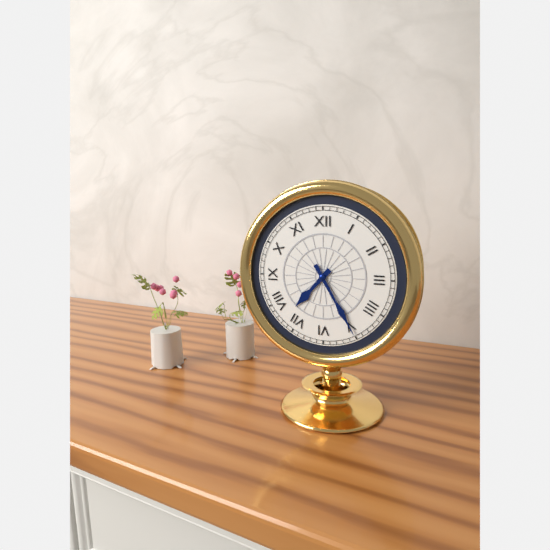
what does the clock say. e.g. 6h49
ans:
7h25
